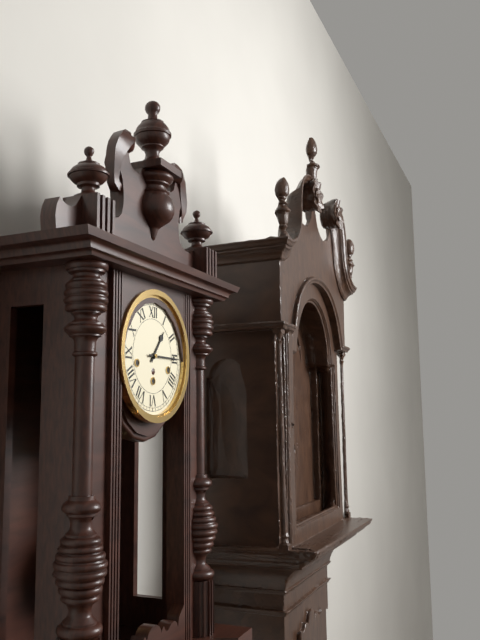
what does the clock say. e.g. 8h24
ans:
1h15
